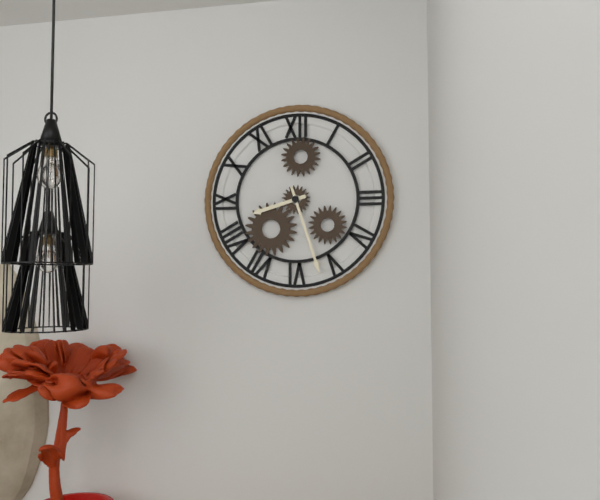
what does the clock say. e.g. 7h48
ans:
8h27
